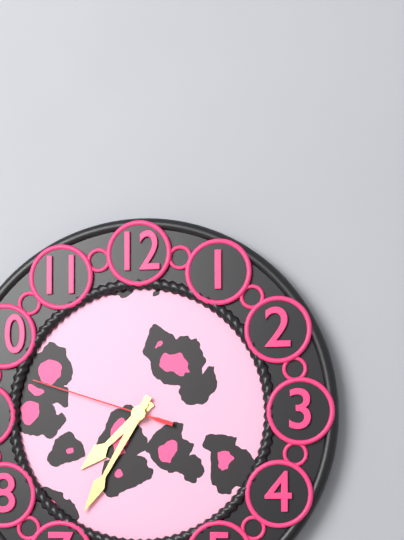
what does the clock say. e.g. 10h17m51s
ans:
7h35m48s
